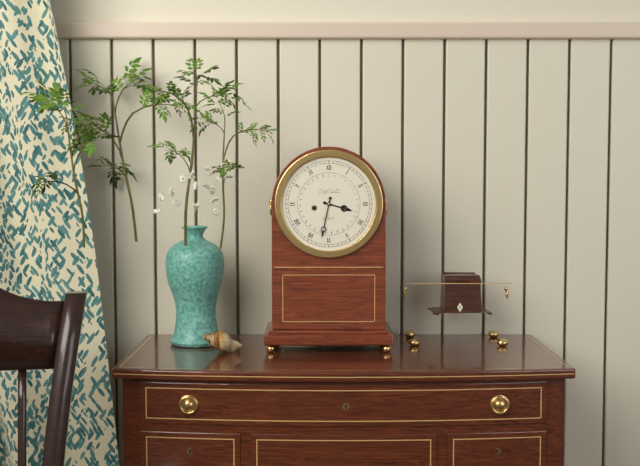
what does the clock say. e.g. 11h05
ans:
3h32
